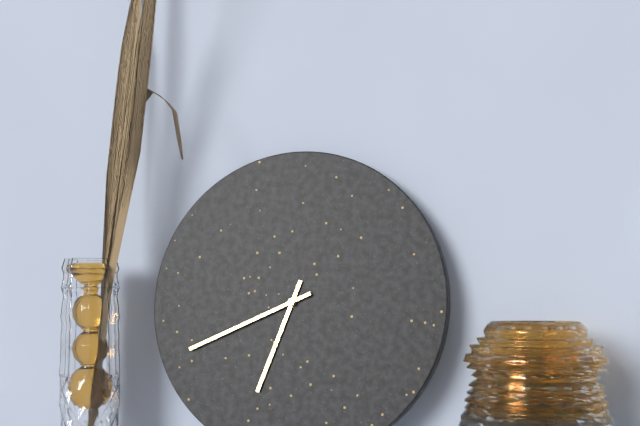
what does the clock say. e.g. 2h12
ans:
6h41
